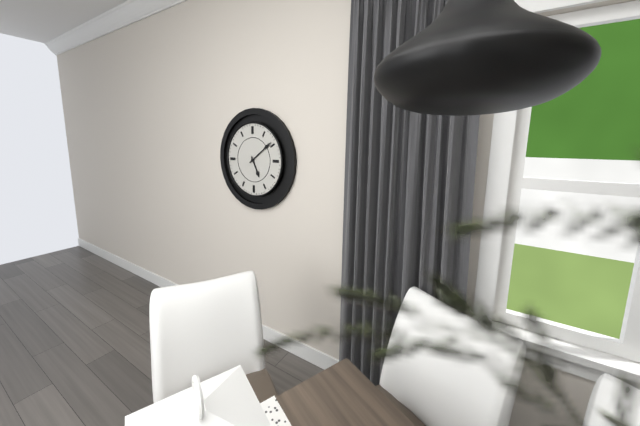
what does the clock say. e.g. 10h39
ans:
5h09
